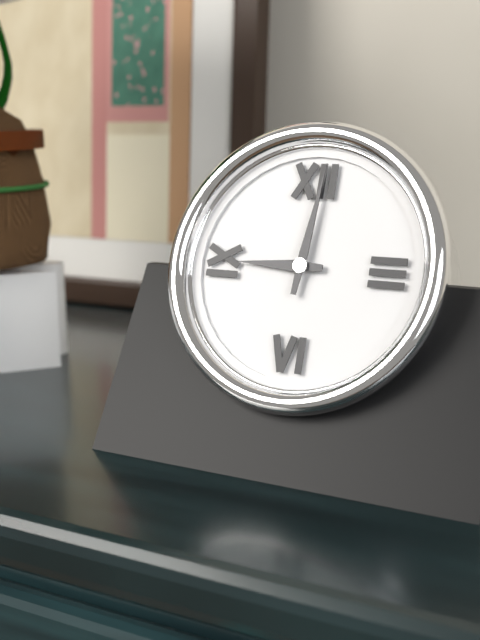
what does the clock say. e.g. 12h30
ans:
9h01
